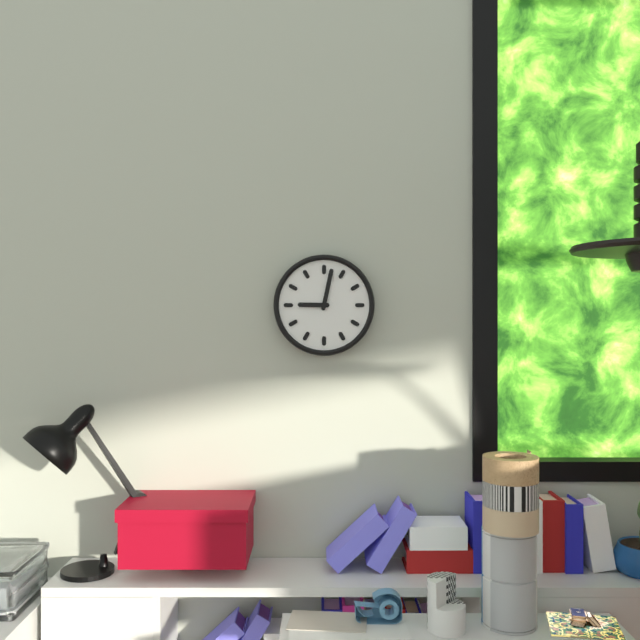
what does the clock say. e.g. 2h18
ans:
9h02
